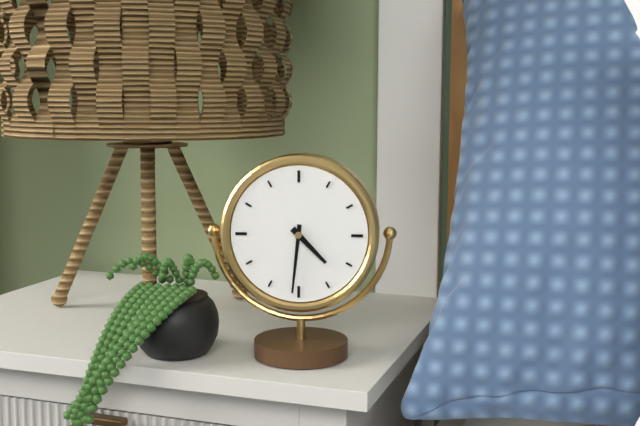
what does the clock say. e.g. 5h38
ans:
4h31
